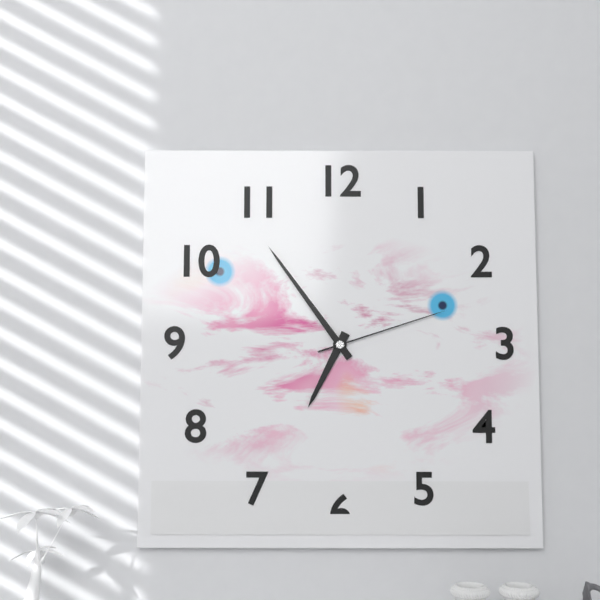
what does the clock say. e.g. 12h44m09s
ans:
6h54m12s
